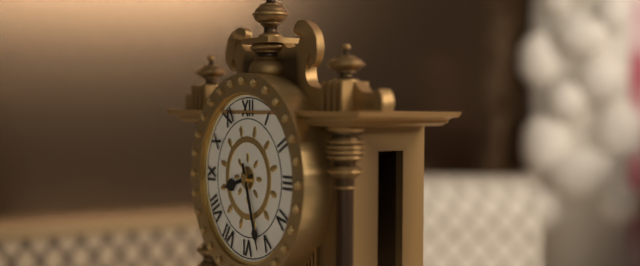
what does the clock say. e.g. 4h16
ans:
8h27
